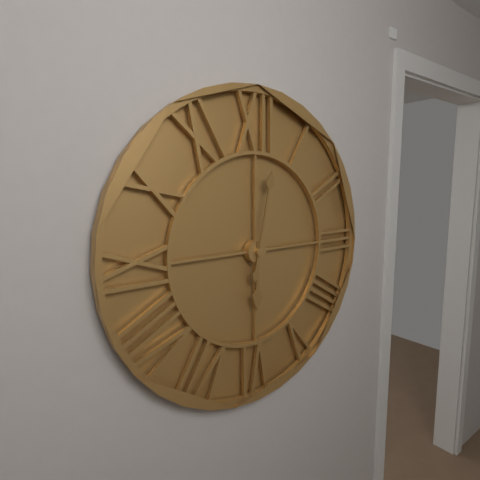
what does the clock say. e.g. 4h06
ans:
6h02
